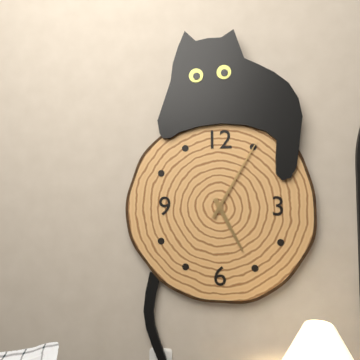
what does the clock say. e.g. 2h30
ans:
5h05
